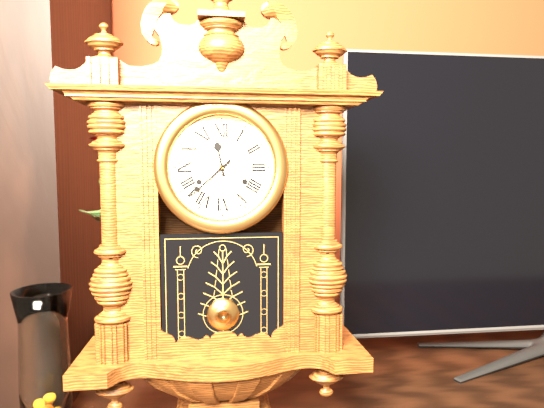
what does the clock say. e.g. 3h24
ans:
11h38
